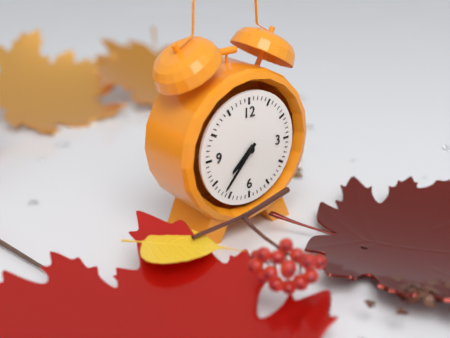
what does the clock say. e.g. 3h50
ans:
7h37
